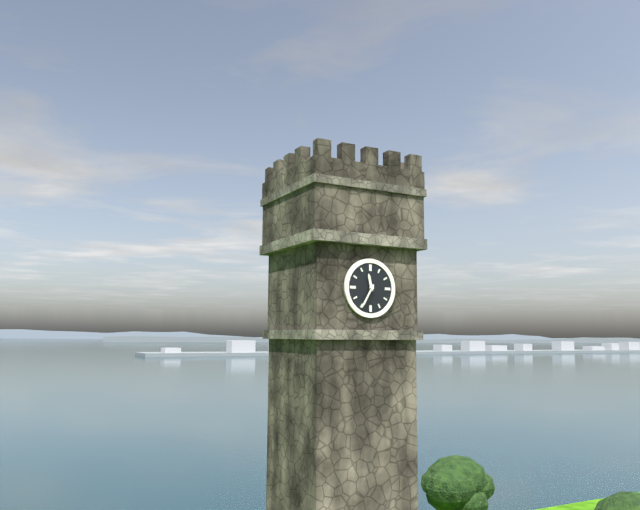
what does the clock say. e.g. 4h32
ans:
11h35
